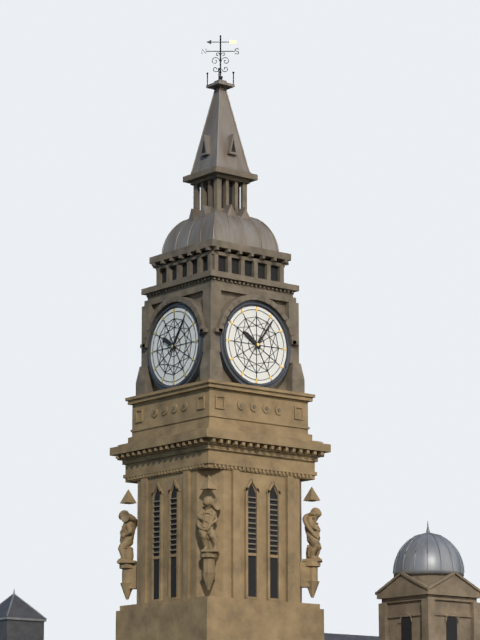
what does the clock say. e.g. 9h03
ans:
10h06
